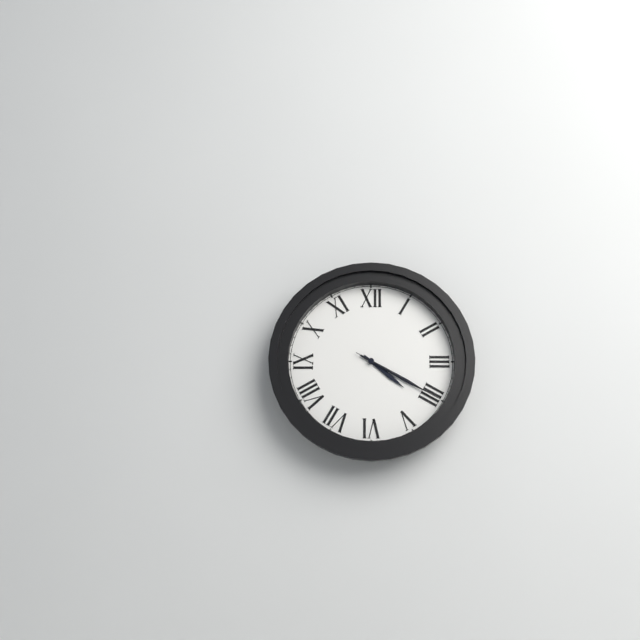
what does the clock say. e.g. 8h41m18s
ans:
4h20m20s
